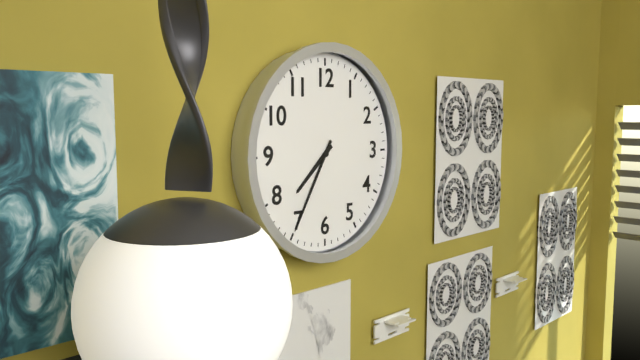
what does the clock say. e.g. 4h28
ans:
7h35
